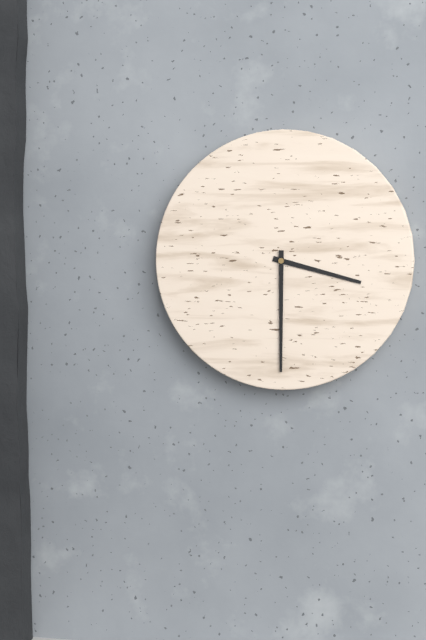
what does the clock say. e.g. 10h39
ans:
3h30
